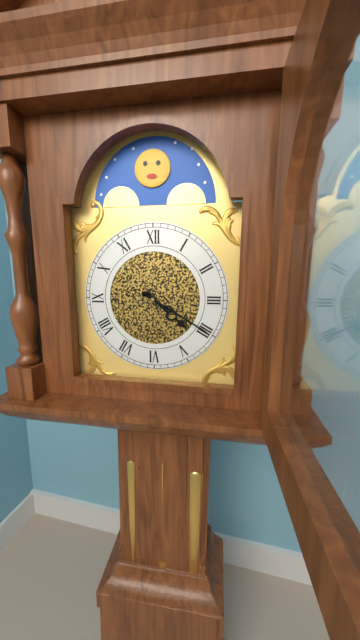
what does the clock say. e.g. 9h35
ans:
4h20
